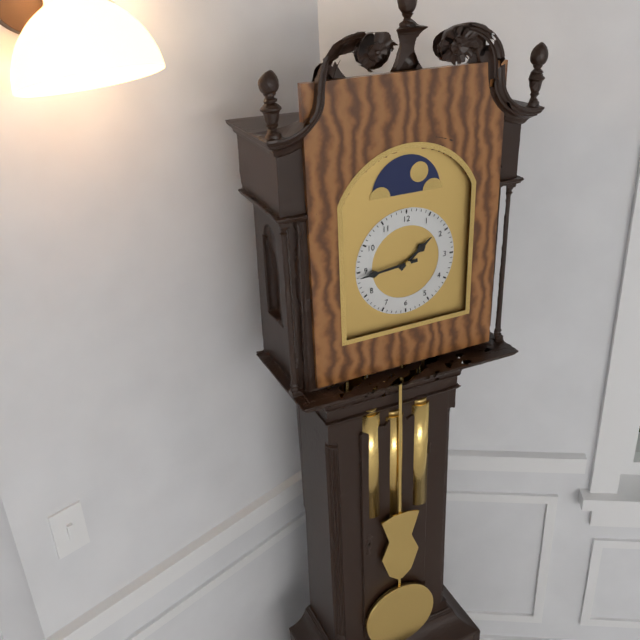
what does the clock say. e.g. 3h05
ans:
1h44
